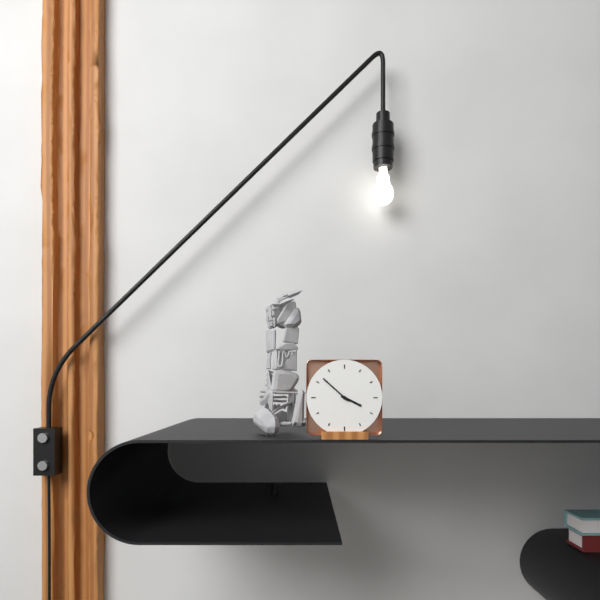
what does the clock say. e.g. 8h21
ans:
3h52
